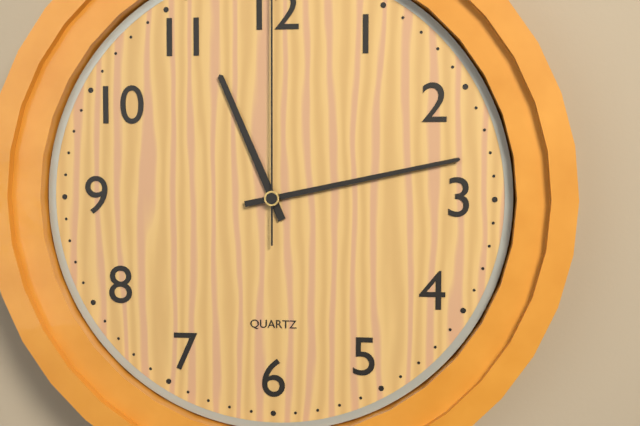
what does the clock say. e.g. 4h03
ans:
11h13
